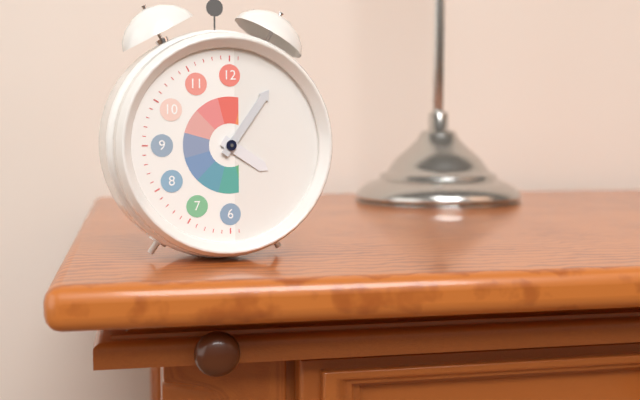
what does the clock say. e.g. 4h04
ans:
4h06
